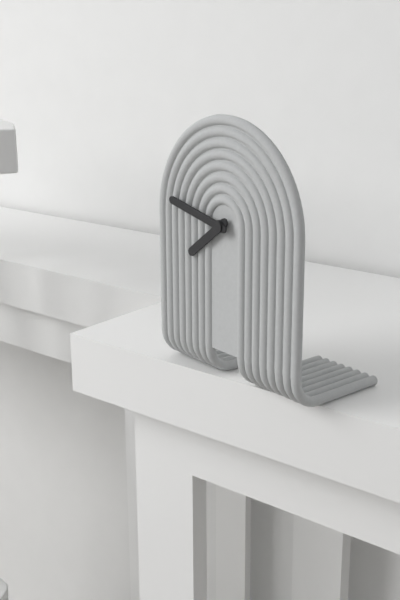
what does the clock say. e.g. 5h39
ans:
7h47
